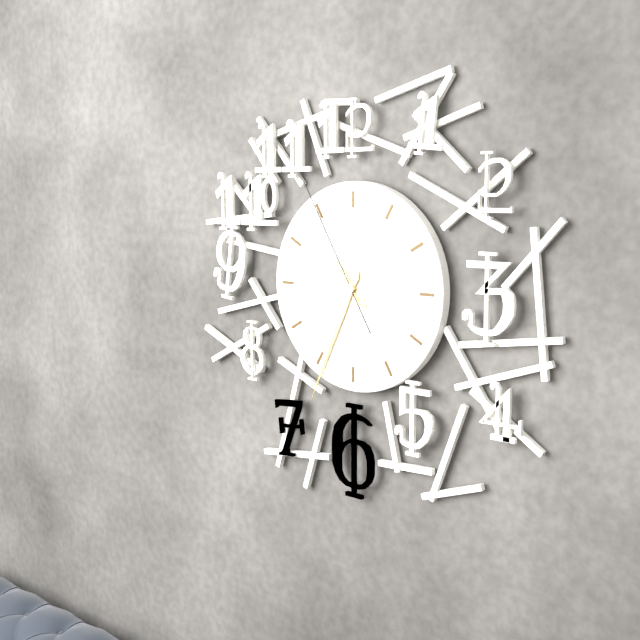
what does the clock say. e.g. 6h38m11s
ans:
10h34m55s
